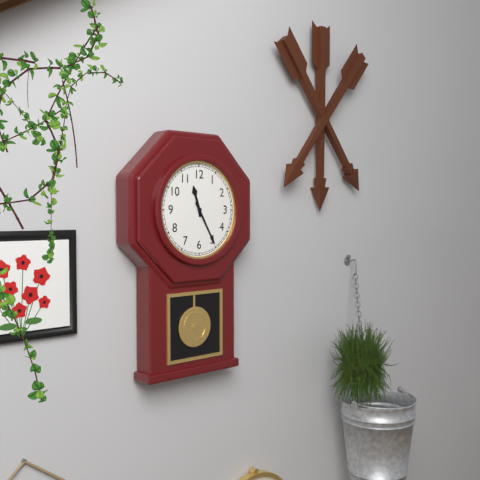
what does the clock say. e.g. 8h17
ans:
11h25
